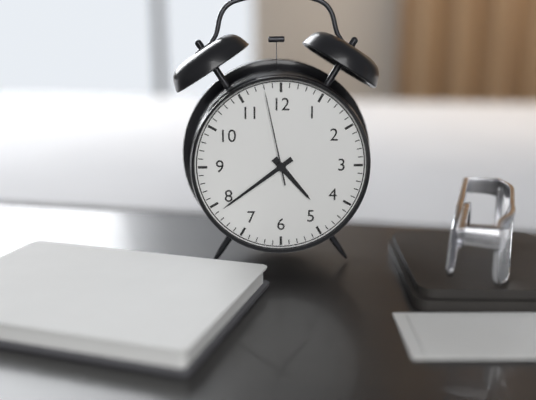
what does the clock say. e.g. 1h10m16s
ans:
4h39m58s
